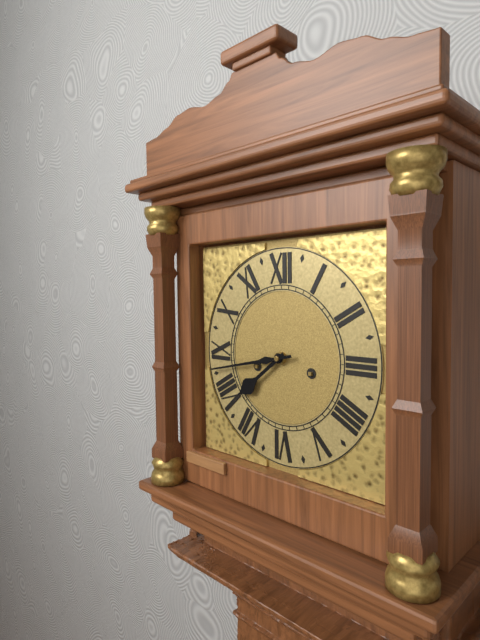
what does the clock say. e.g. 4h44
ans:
7h43
